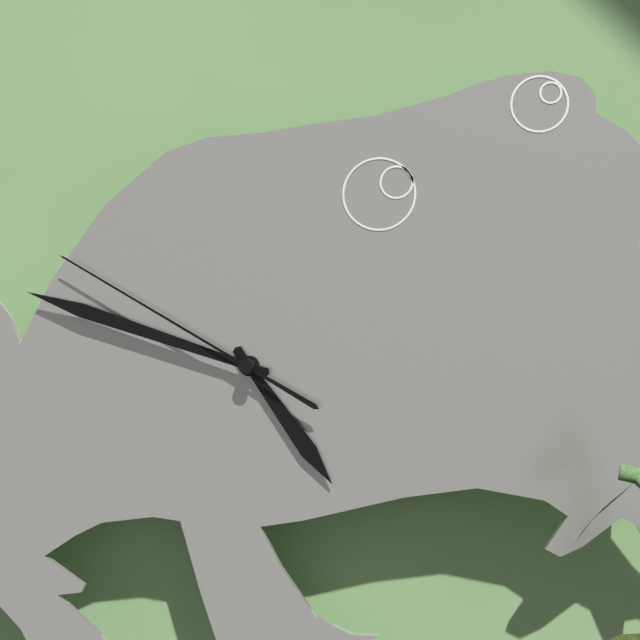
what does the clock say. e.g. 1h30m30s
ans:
4h48m50s
